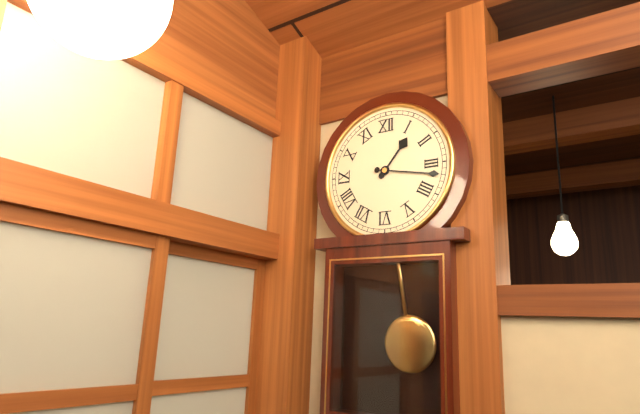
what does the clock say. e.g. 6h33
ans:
1h17
